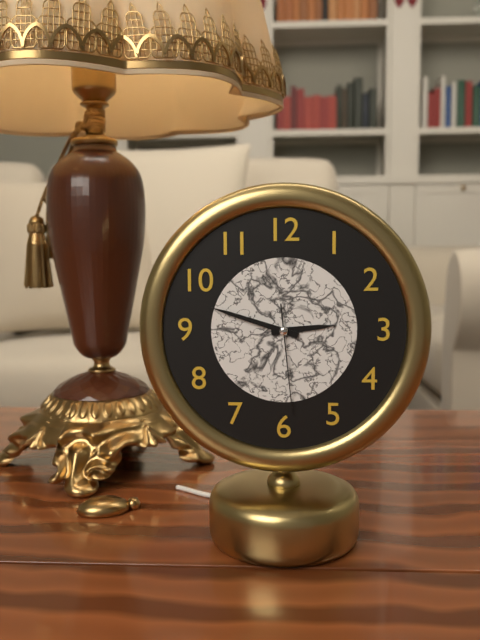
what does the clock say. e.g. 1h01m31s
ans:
2h48m29s
